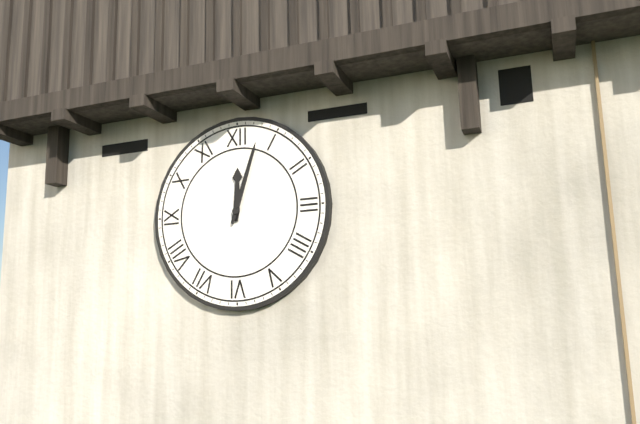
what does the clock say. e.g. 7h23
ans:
12h03
